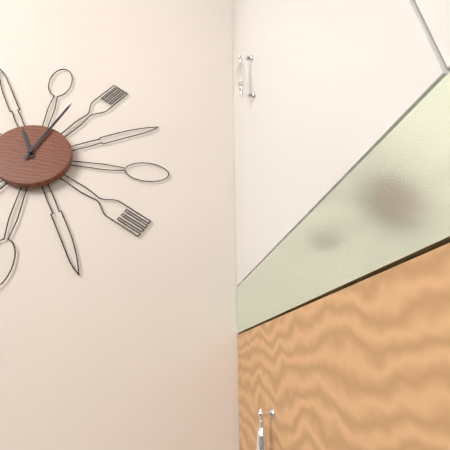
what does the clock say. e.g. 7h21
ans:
11h03
